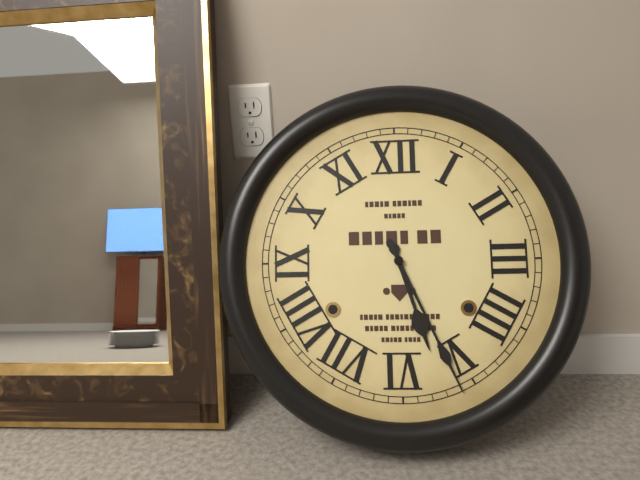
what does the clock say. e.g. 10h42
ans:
5h26
